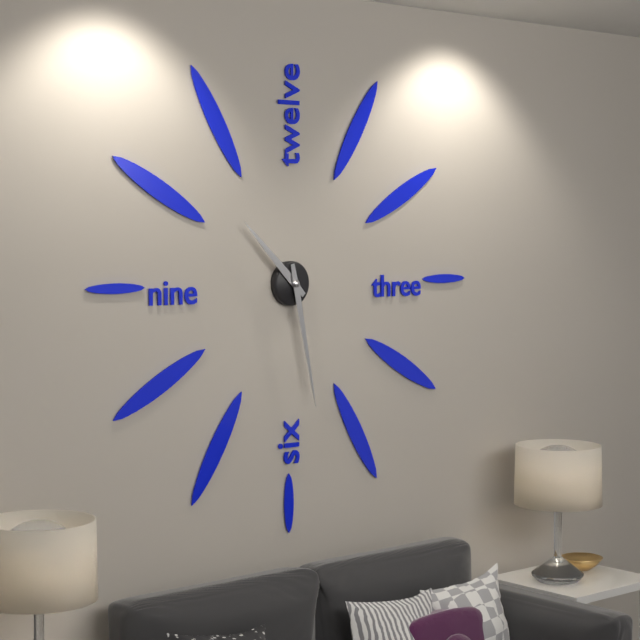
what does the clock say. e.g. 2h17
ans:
10h28
